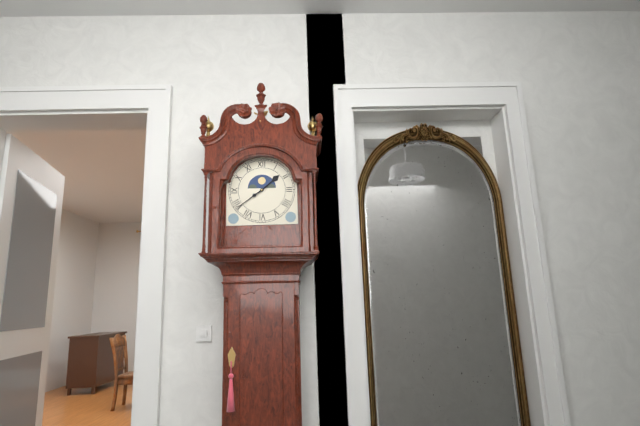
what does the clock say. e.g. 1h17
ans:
1h39
